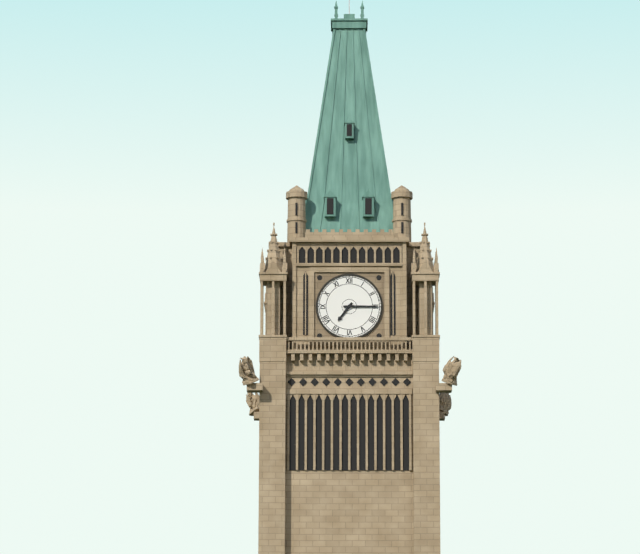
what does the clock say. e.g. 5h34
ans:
7h15
